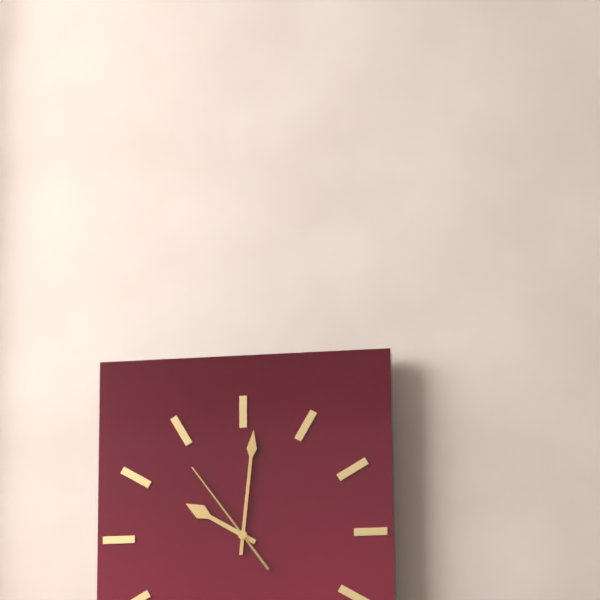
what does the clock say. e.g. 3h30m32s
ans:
10h01m54s
